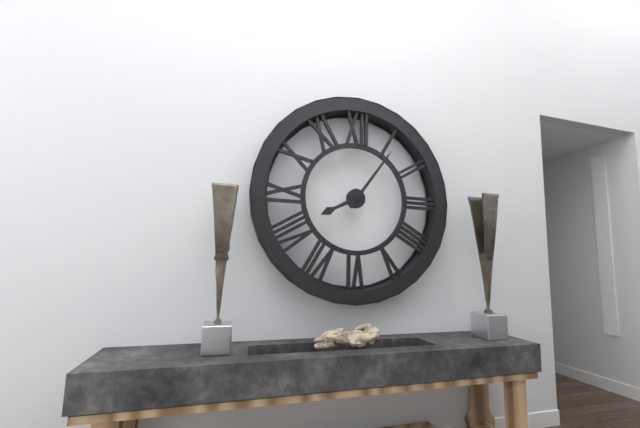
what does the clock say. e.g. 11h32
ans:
8h06
